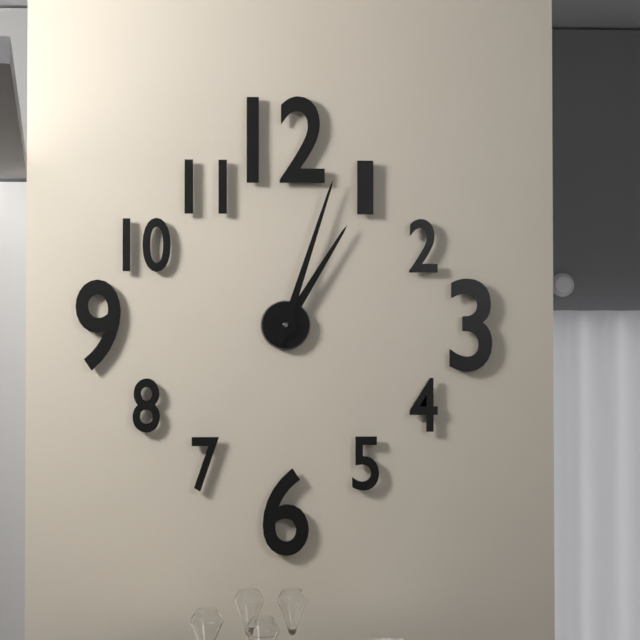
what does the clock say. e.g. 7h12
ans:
1h03
